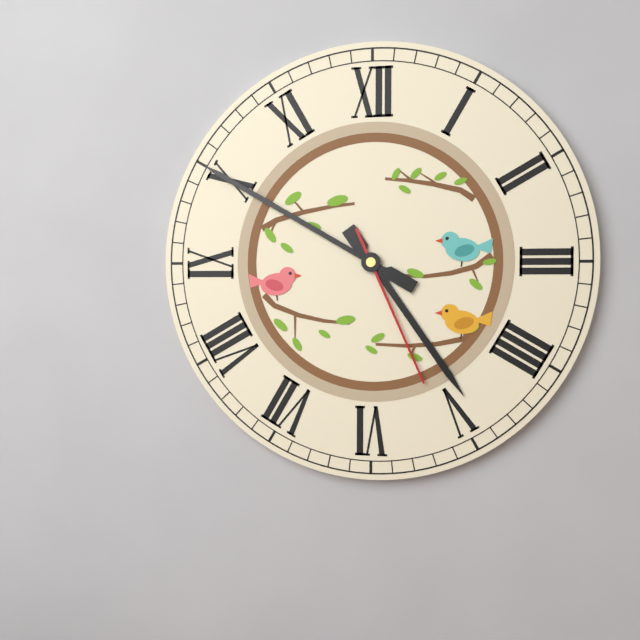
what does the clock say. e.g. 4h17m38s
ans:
4h50m26s
